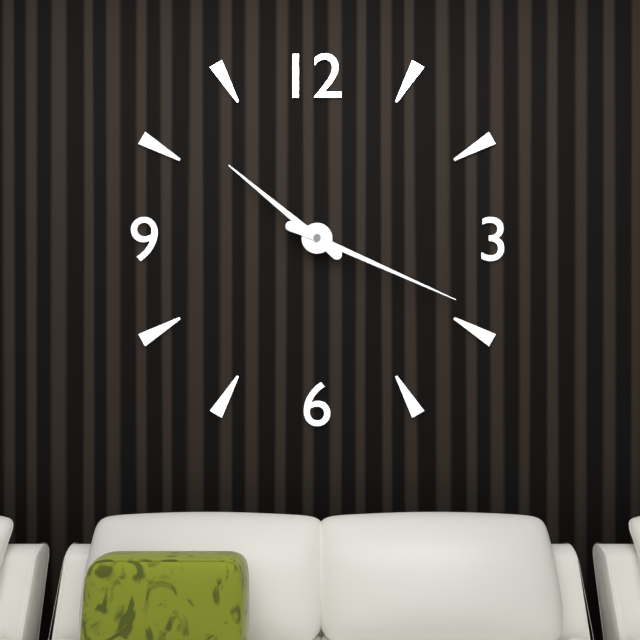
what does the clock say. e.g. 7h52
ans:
10h19
